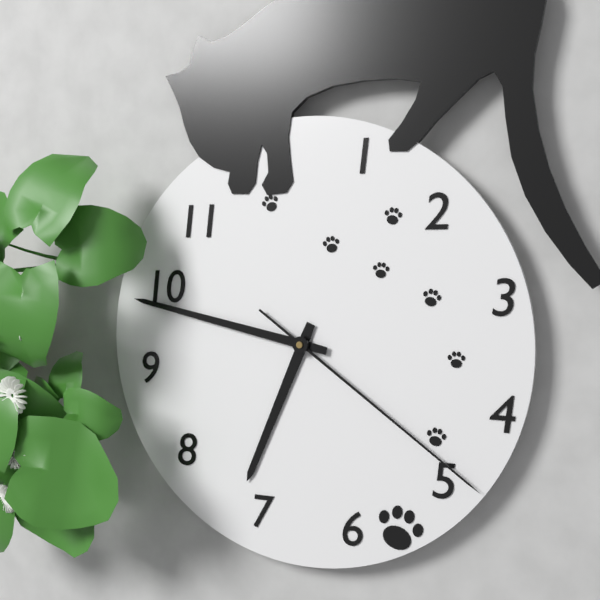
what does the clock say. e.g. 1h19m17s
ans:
6h47m21s
